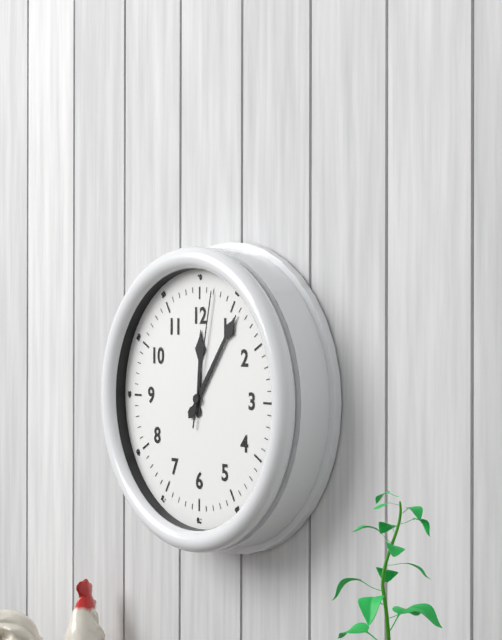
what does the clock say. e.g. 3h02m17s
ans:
12h06m02s
